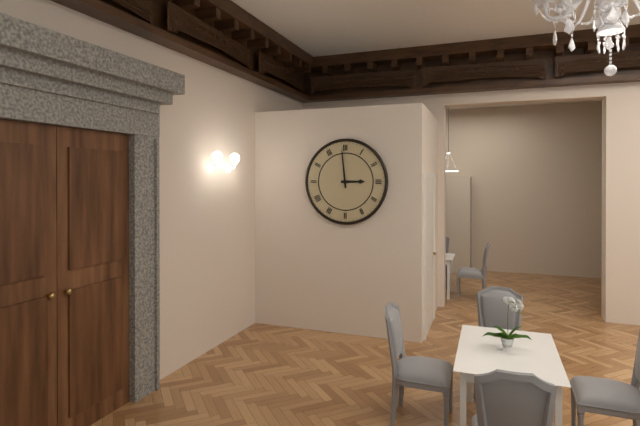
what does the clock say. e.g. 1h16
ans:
2h59
